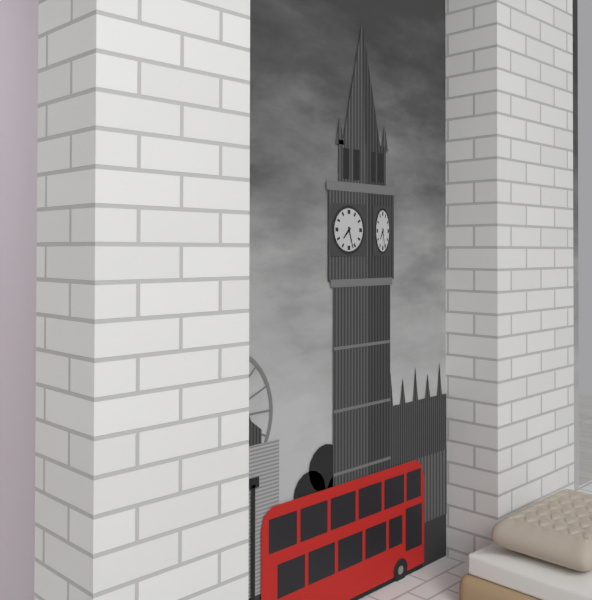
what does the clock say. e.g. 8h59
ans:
7h27
